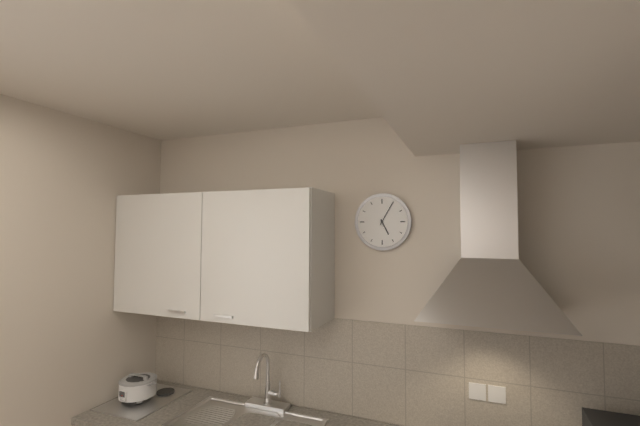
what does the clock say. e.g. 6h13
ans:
5h05
